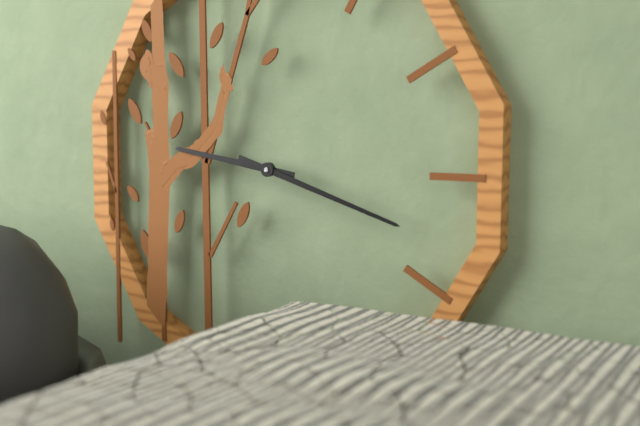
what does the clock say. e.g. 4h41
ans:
9h18
